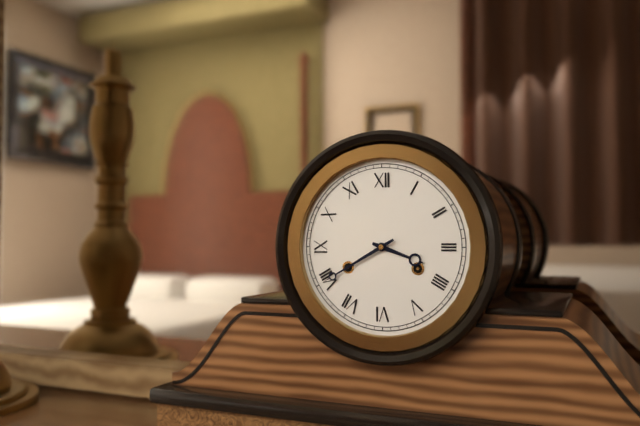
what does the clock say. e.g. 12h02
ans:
3h40
